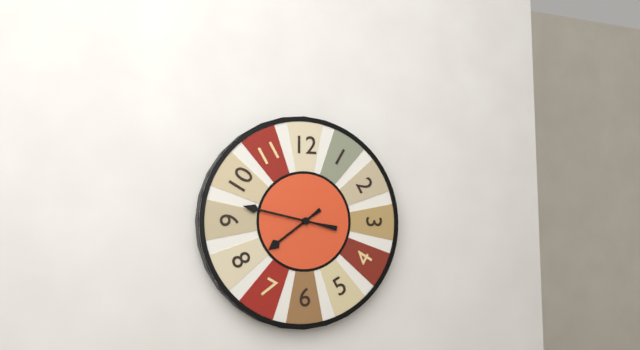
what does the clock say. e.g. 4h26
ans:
7h47
